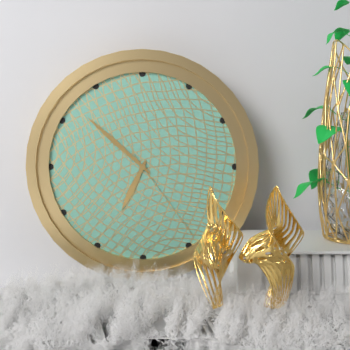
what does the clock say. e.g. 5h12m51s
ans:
6h52m24s
